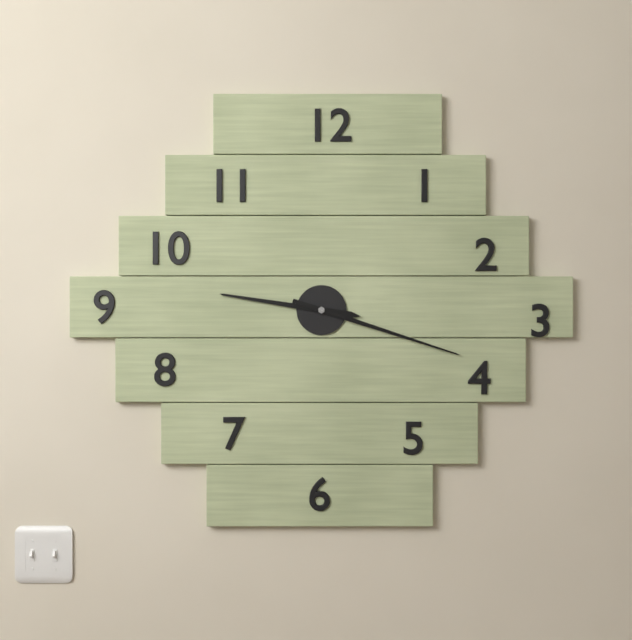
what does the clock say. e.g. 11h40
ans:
9h18
